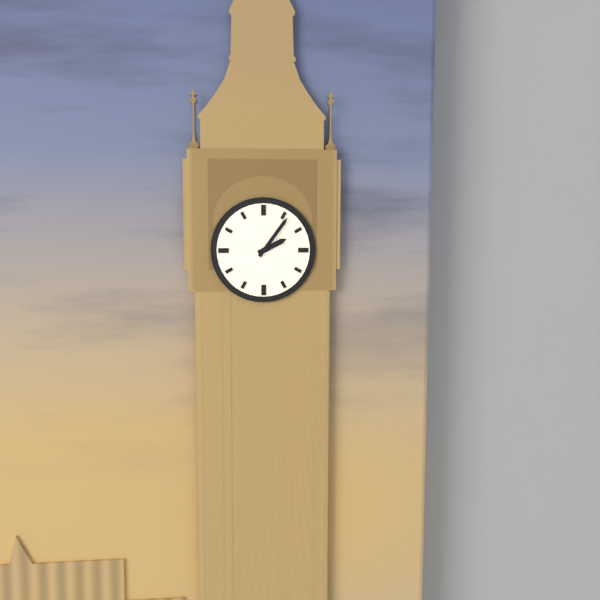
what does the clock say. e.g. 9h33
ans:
2h06
